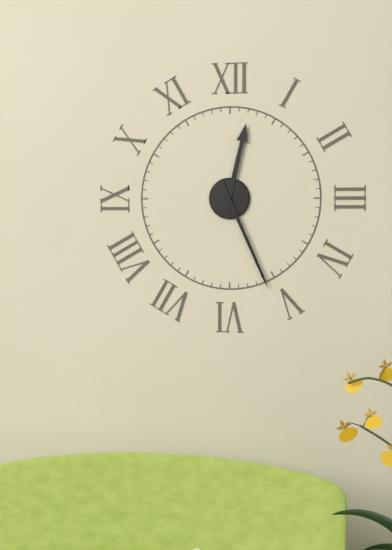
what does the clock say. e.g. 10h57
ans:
12h26
